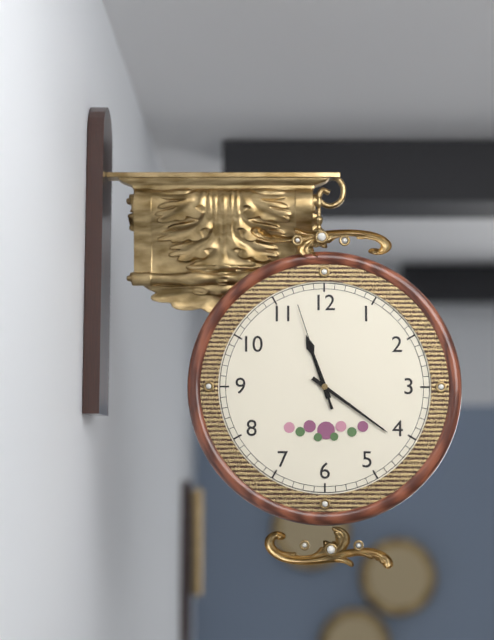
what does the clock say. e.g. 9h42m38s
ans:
11h21m57s
